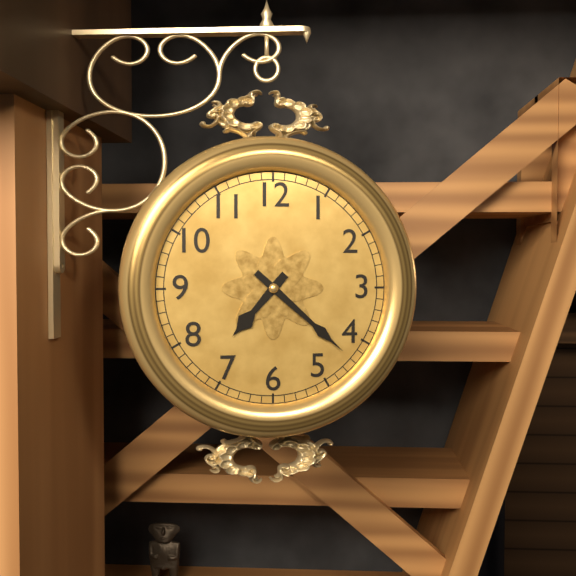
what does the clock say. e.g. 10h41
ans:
7h22
